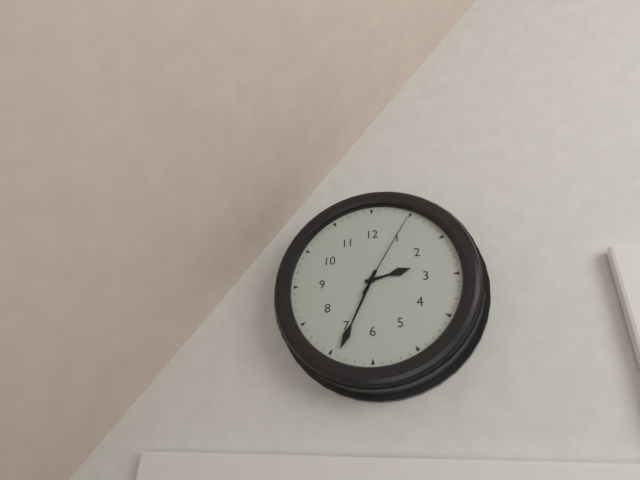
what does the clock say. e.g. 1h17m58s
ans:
2h34m05s
